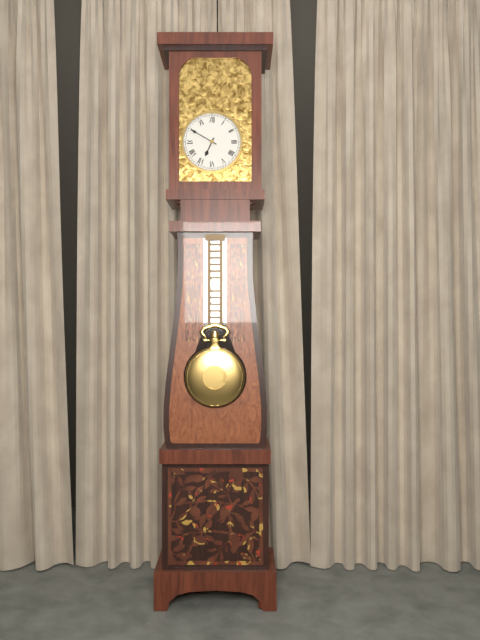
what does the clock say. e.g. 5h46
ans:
6h50
